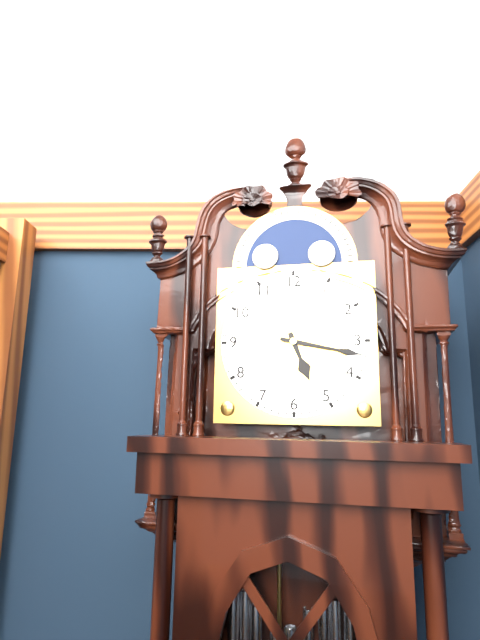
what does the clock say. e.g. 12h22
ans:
5h17
